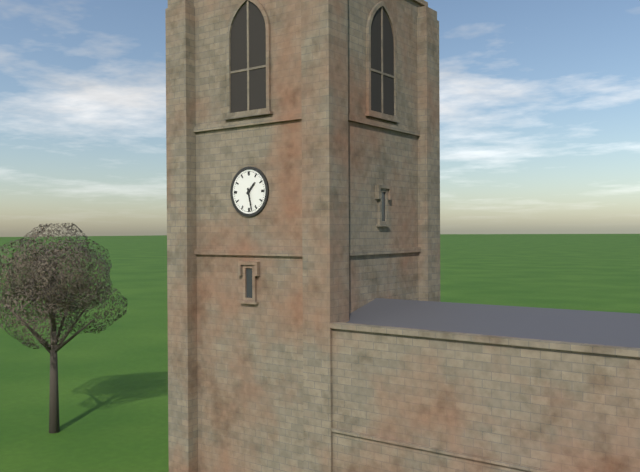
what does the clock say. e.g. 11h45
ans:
1h28
